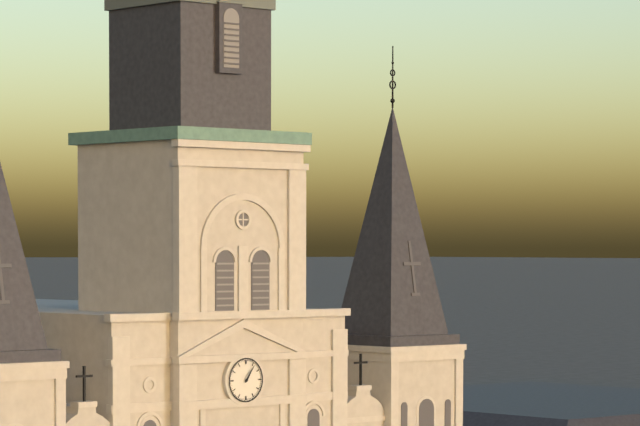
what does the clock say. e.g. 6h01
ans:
1h06
